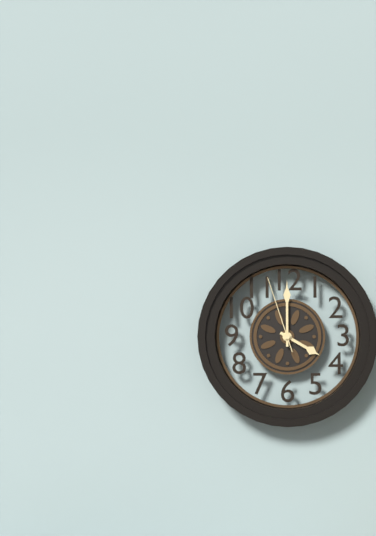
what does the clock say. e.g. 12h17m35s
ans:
4h00m57s
